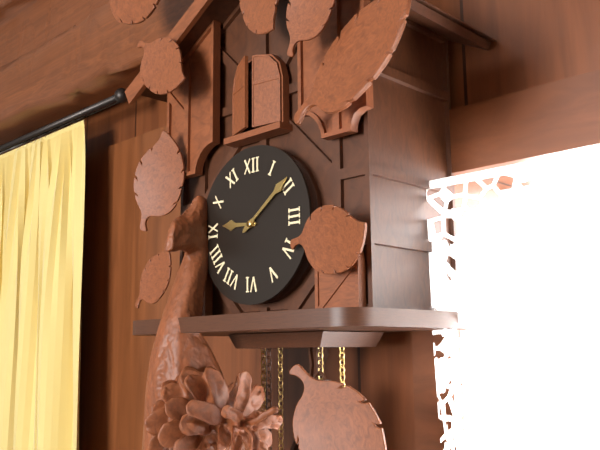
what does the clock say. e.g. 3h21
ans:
9h09
